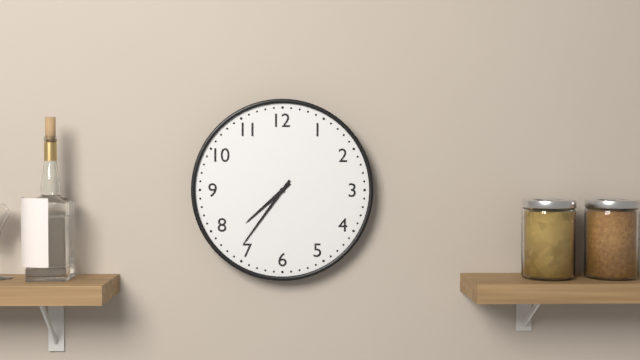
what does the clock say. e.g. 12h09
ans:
7h36
